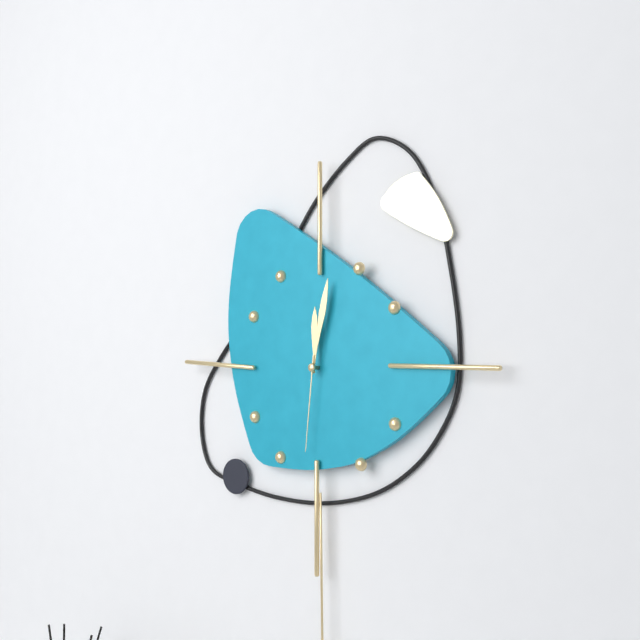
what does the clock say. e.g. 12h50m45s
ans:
12h02m31s
